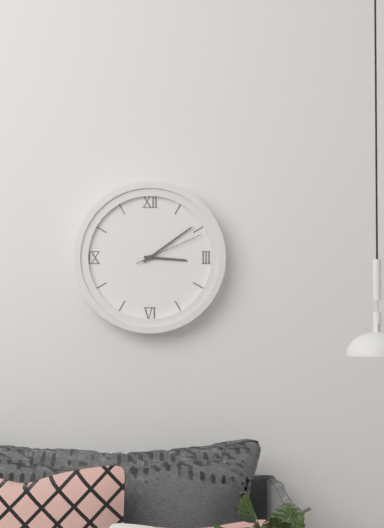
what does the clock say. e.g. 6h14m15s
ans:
3h09m11s
